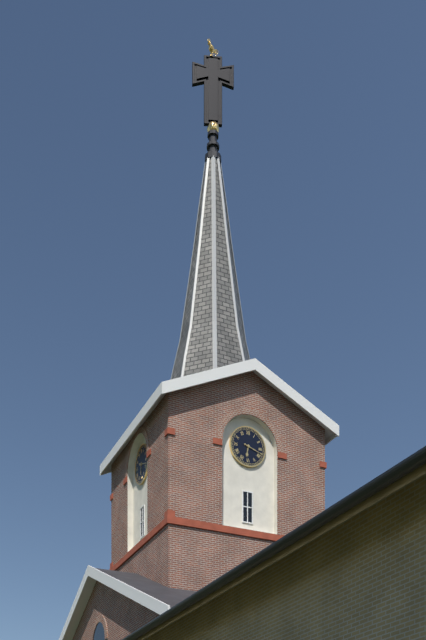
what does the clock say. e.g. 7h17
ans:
6h18
